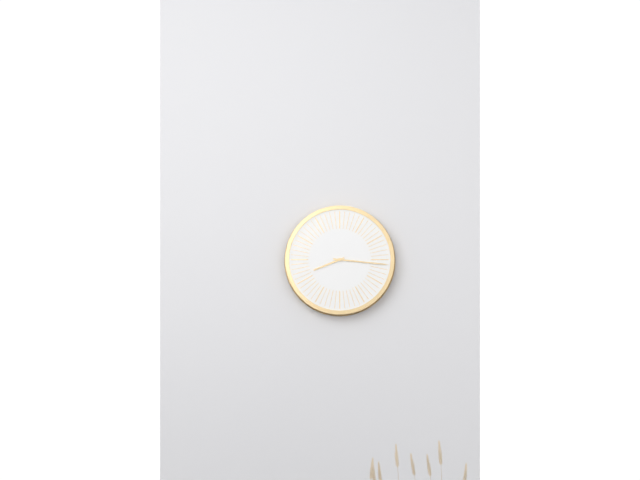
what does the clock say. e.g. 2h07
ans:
8h16
